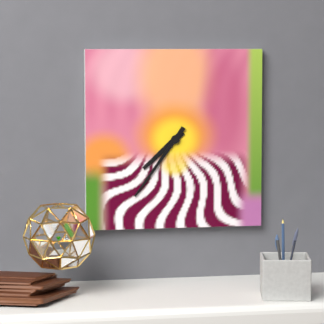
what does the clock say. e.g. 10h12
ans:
7h36
